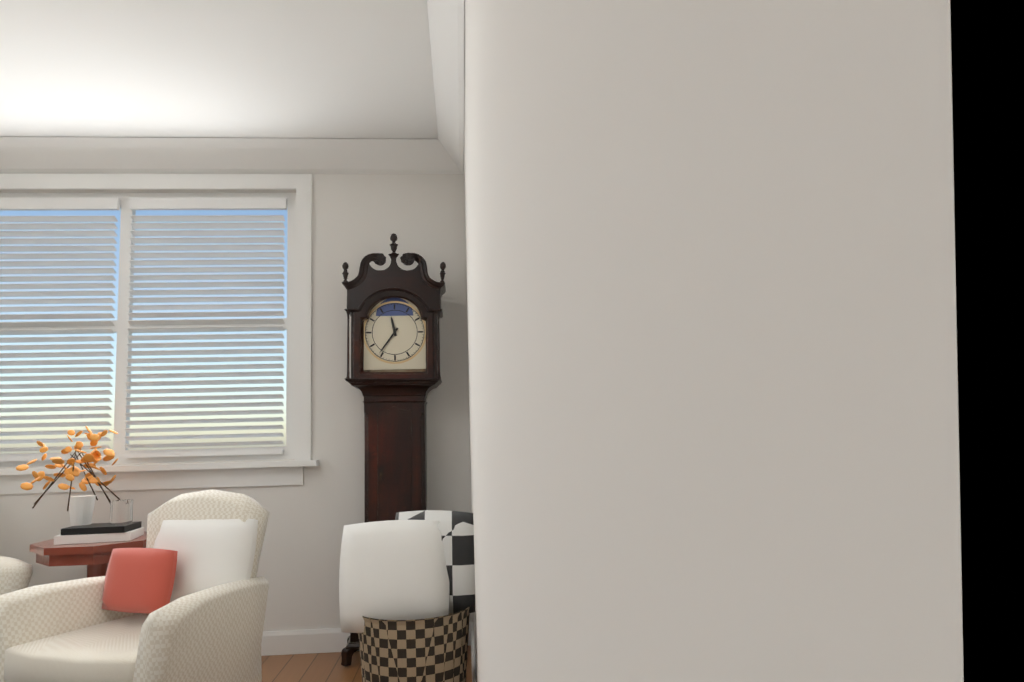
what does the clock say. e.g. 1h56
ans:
11h36
